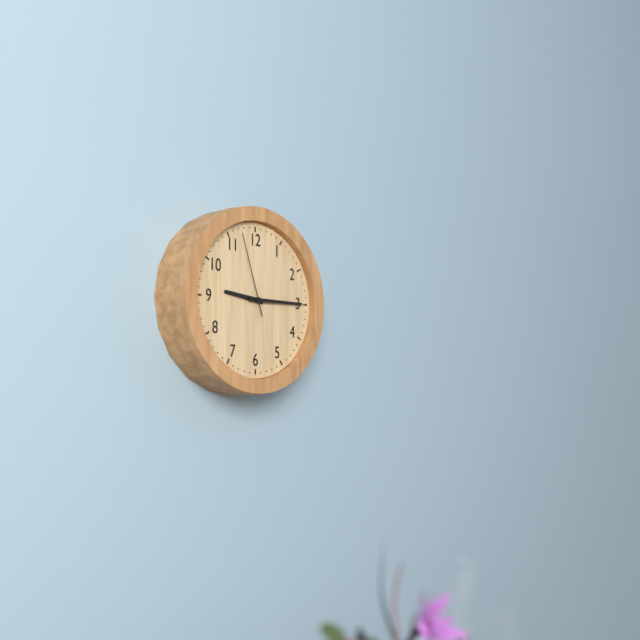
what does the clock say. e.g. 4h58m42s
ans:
9h15m57s
